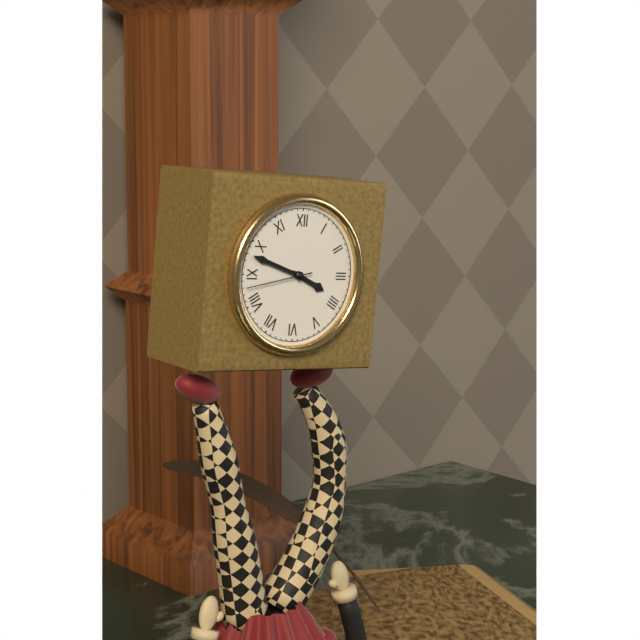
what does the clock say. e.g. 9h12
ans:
3h48
